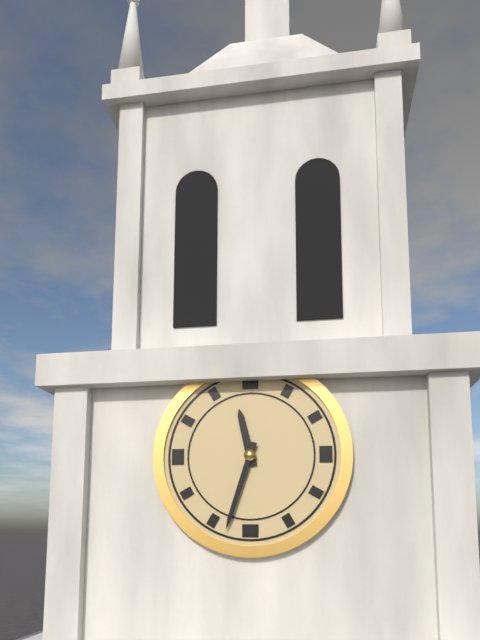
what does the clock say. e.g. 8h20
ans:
11h33
